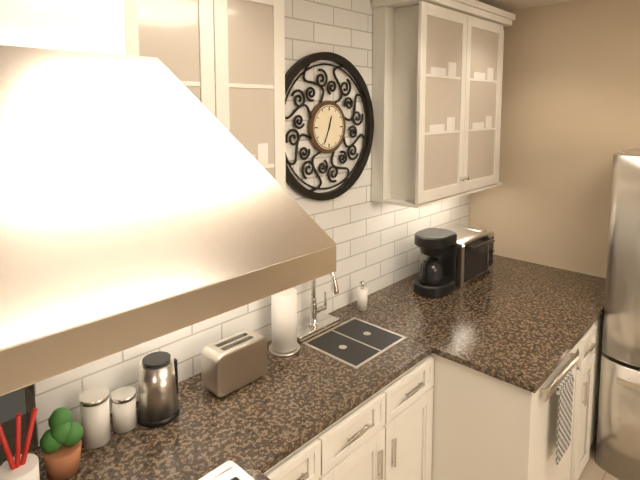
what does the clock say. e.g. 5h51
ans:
12h34
